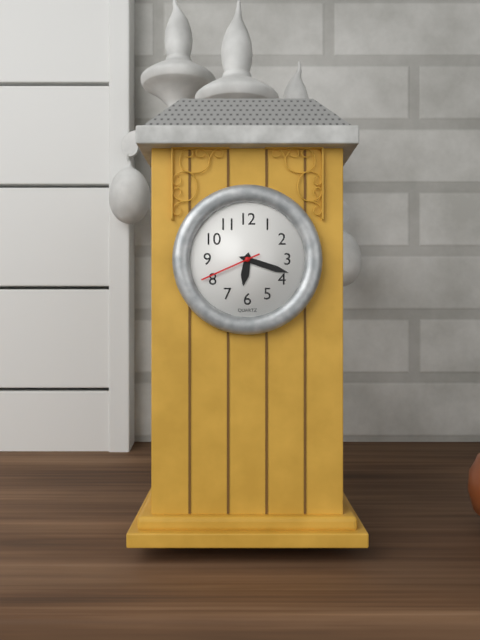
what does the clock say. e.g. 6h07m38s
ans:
6h18m41s
